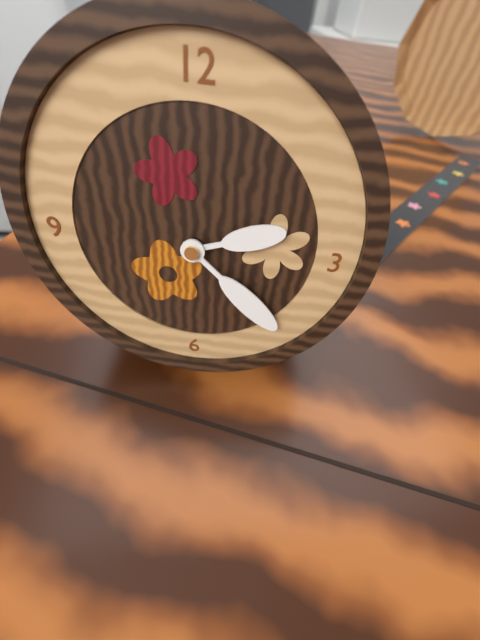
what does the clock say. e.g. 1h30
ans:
2h22
